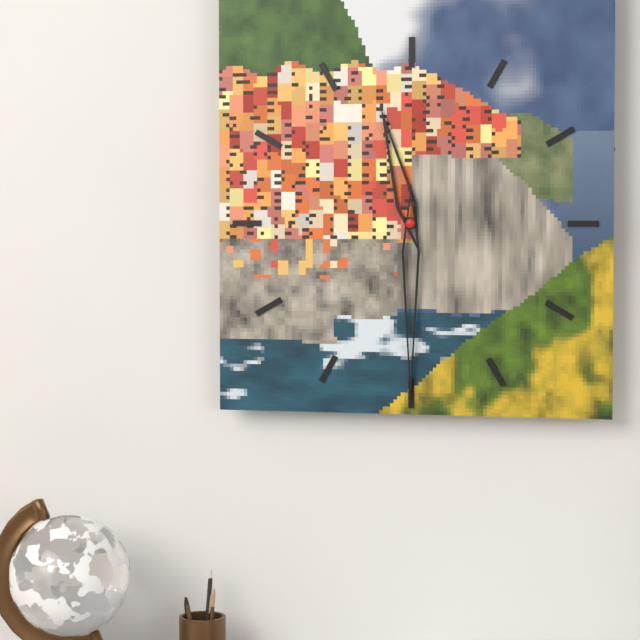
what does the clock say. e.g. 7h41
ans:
11h30
